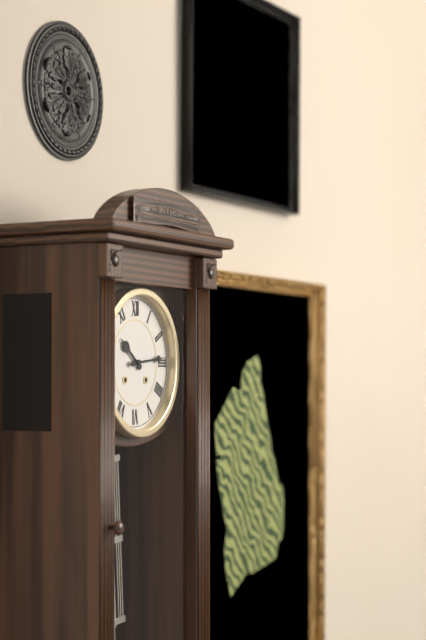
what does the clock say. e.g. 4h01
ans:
10h14
